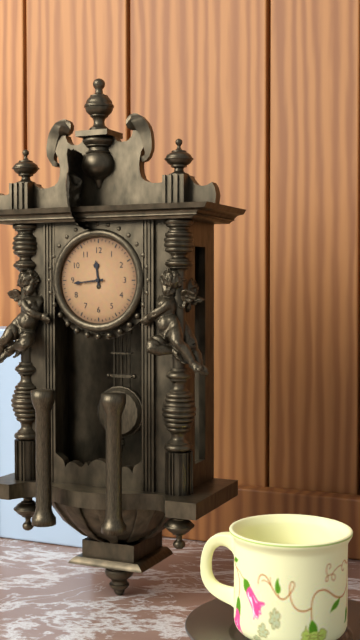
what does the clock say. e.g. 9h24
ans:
11h44
